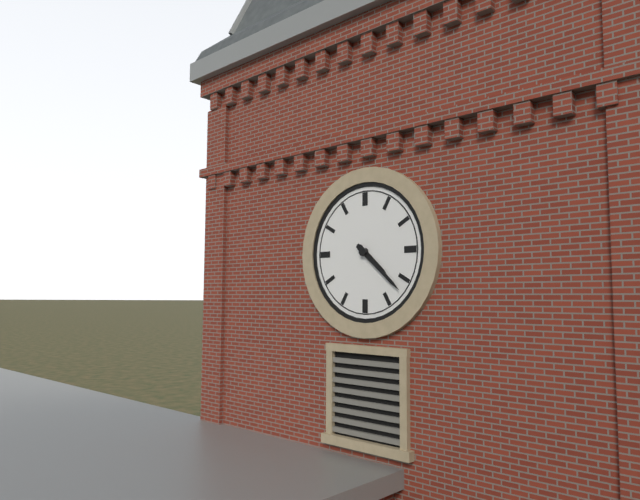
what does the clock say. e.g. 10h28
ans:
4h22
